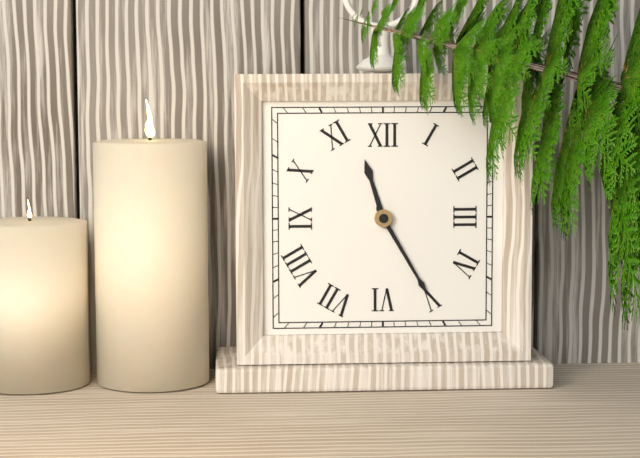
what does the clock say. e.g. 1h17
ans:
11h25
